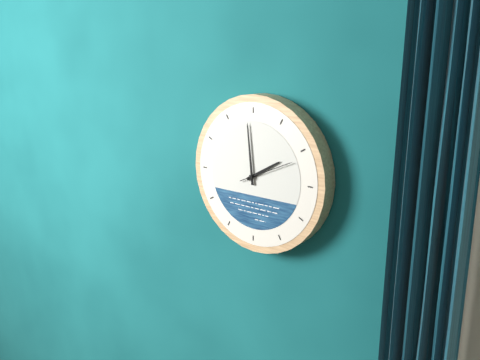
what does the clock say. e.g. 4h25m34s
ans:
1h59m11s
